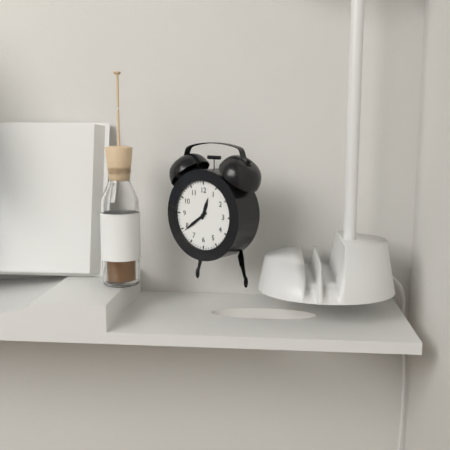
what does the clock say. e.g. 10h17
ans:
12h39
